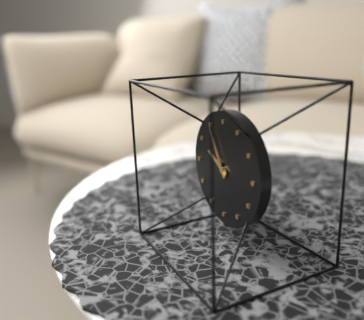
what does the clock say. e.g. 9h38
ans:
9h55
